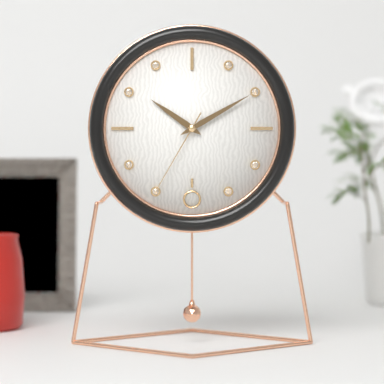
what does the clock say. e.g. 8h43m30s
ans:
10h10m35s
